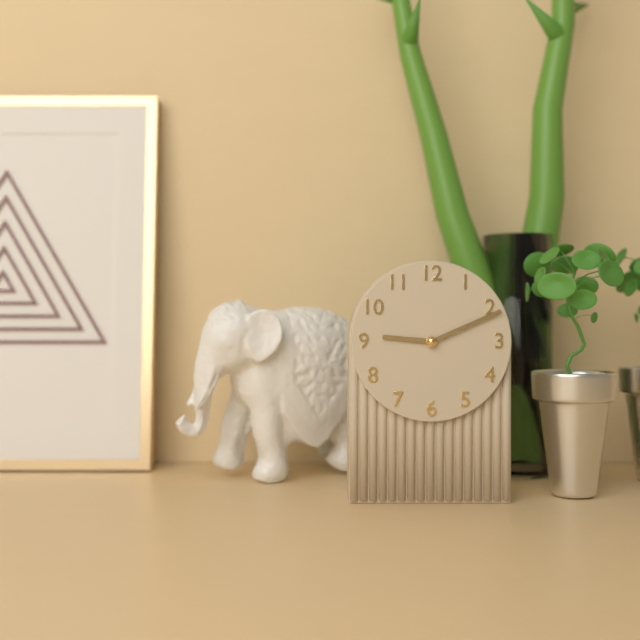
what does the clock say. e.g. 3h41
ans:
9h11
